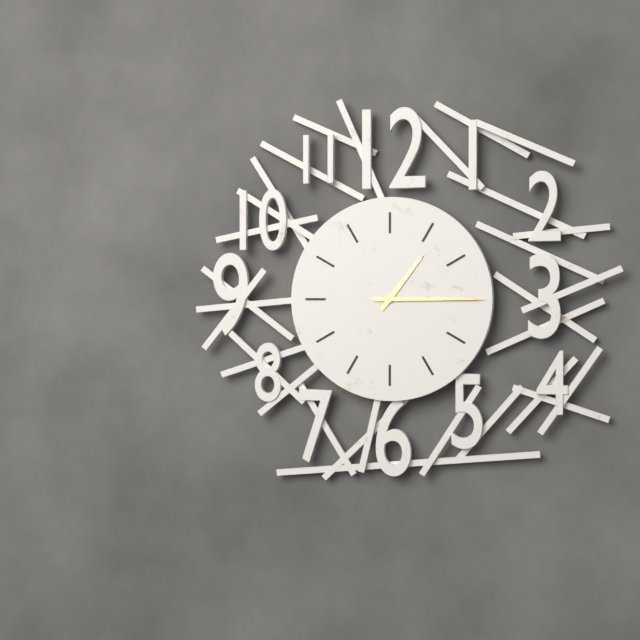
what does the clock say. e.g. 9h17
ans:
1h15
